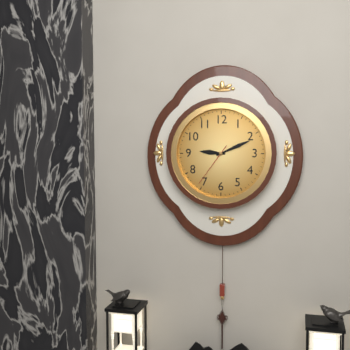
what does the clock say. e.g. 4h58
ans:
9h11
